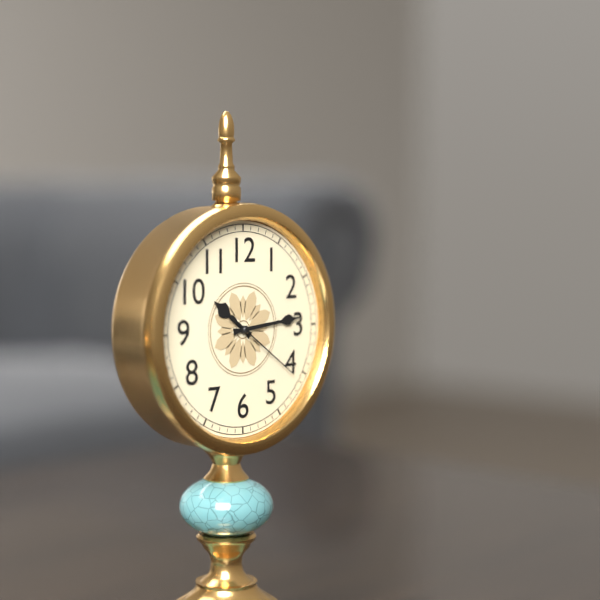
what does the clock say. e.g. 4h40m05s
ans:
10h14m21s
